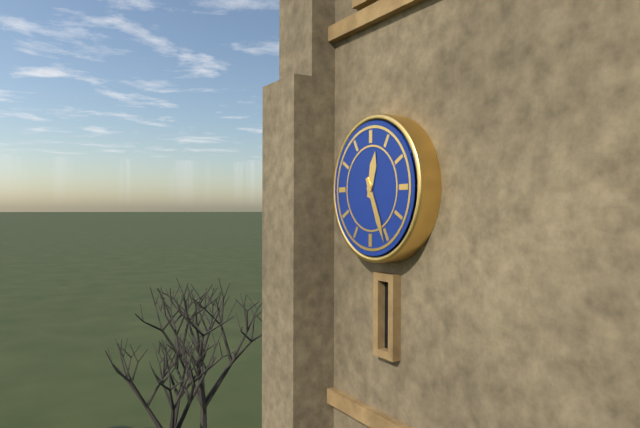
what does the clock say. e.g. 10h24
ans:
12h26
